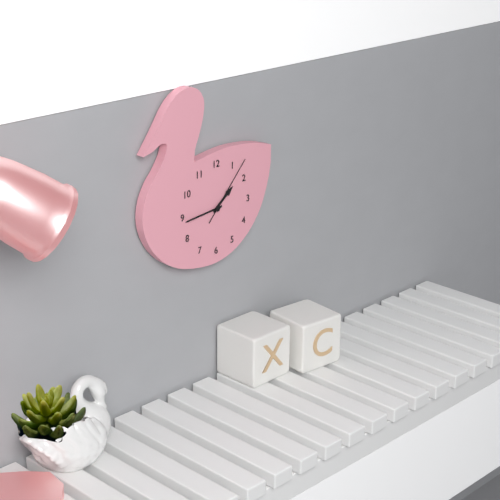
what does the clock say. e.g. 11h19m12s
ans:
1h44m07s
